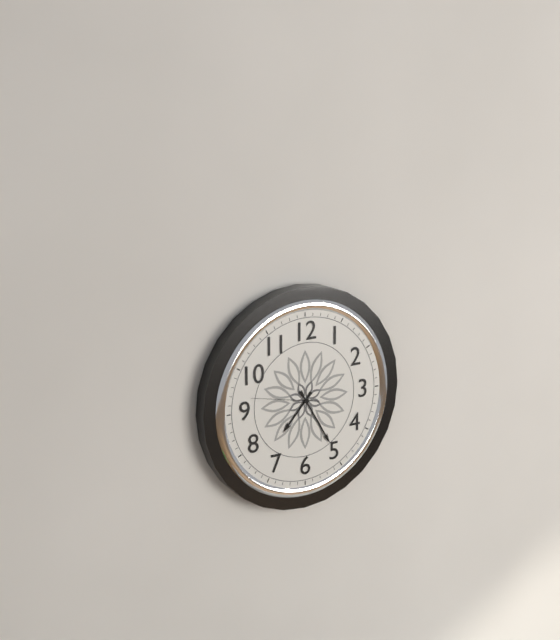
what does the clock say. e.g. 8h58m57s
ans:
7h25m47s
